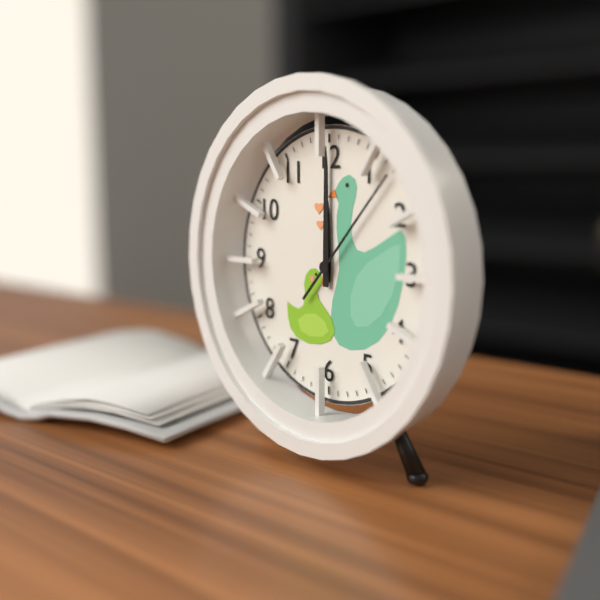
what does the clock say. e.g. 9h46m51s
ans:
12h00m07s
